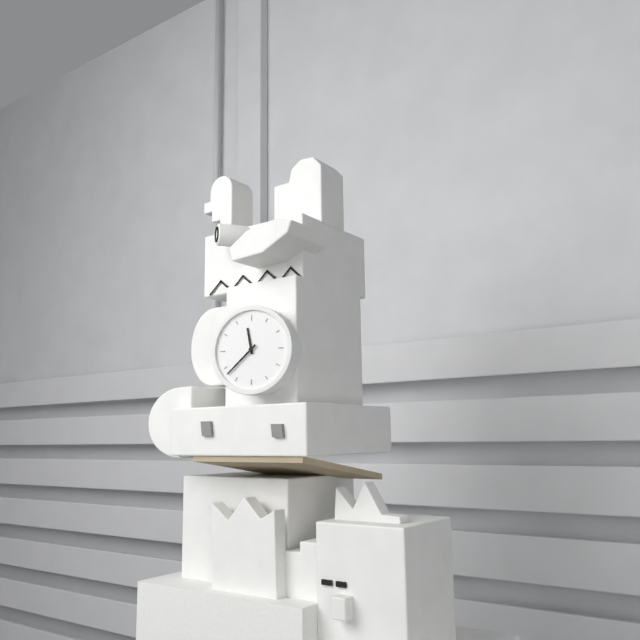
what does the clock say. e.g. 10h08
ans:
11h38
